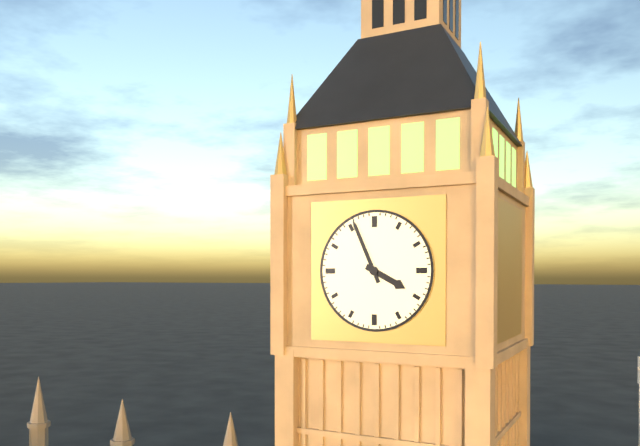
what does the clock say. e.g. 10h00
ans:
3h56
